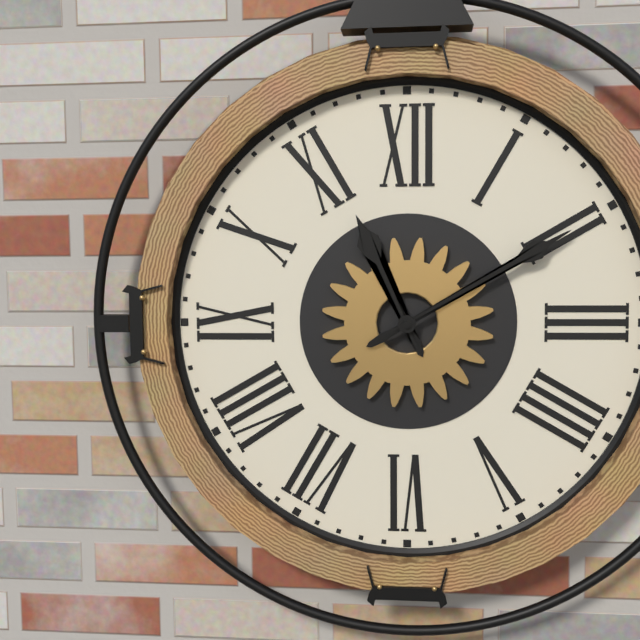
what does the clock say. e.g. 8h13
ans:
11h10
